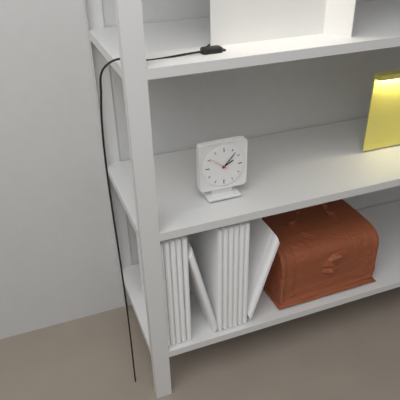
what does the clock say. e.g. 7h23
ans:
2h07
